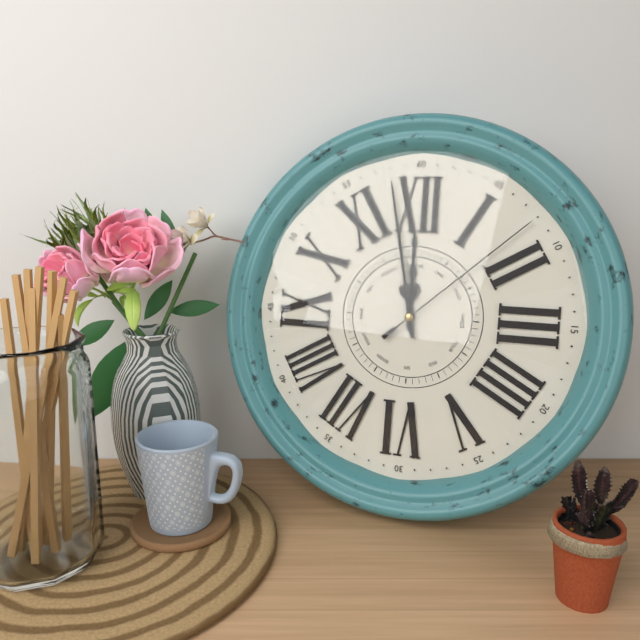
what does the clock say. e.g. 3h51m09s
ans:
11h58m08s
